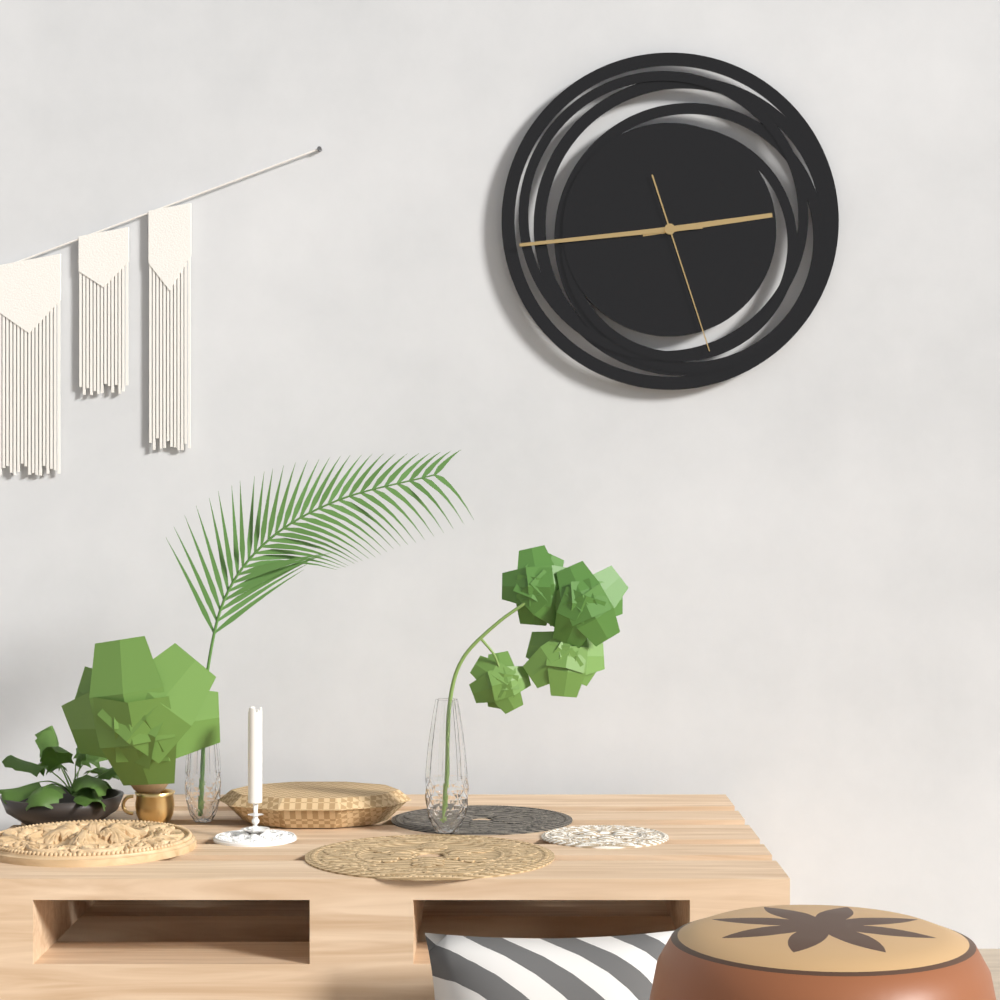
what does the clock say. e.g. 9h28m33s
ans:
2h44m27s
